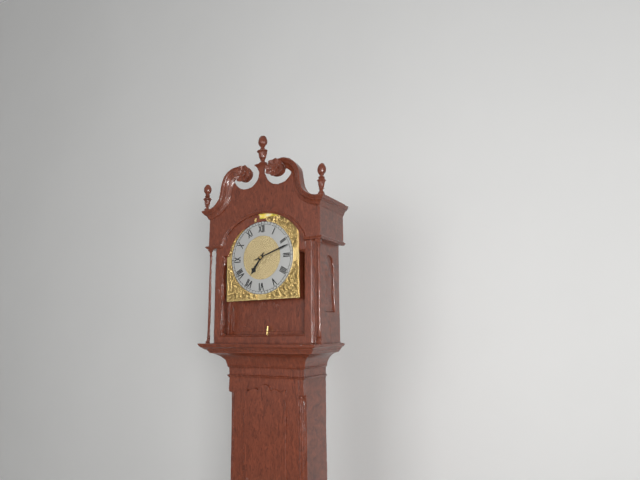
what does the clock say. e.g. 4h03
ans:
7h12
